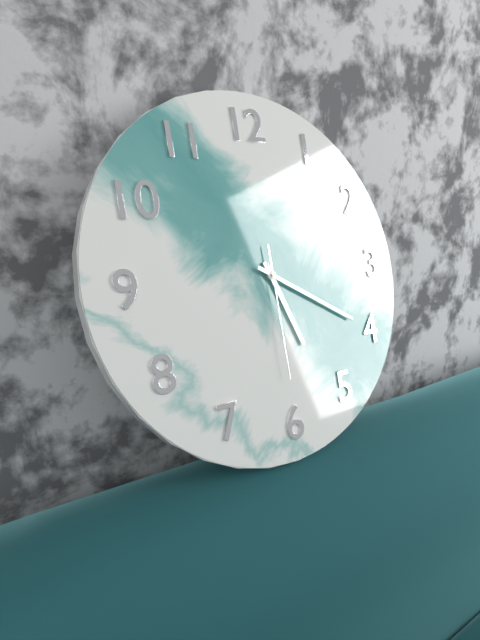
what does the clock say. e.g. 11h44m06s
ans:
5h20m30s
